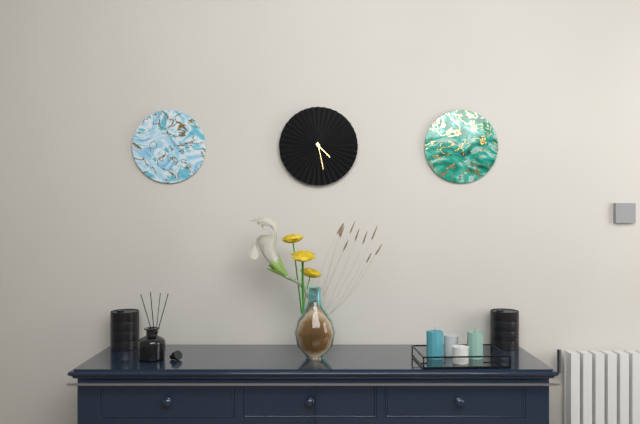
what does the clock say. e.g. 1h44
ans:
4h28
